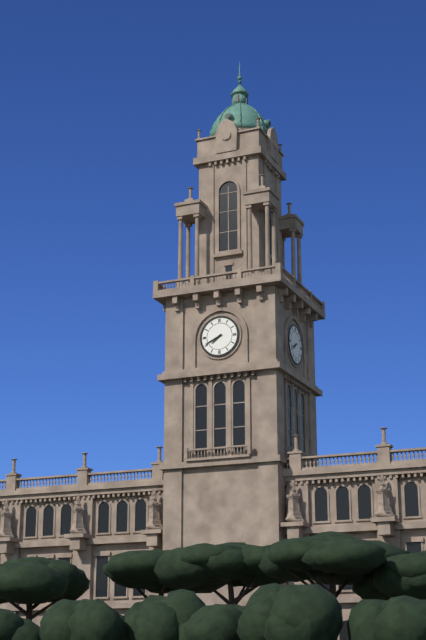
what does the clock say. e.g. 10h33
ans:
7h41
